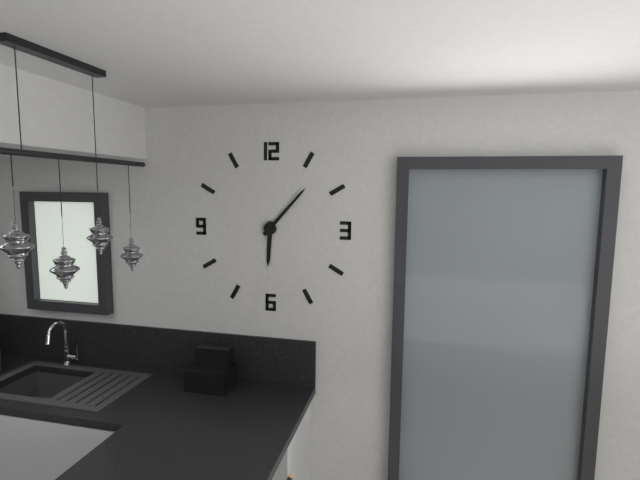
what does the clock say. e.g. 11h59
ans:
6h07
